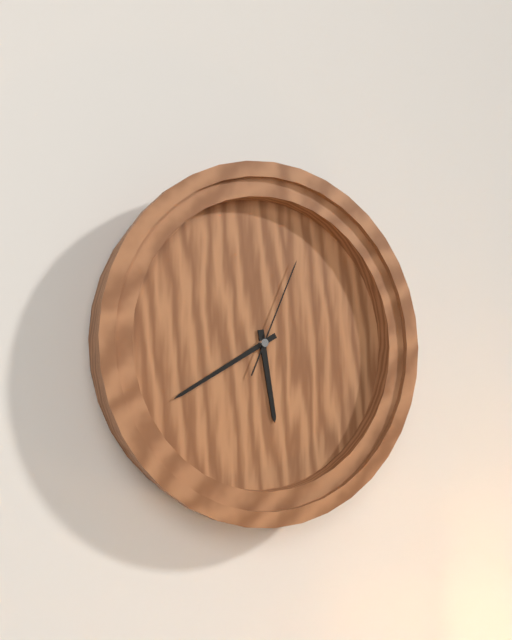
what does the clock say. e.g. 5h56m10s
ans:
5h40m04s
